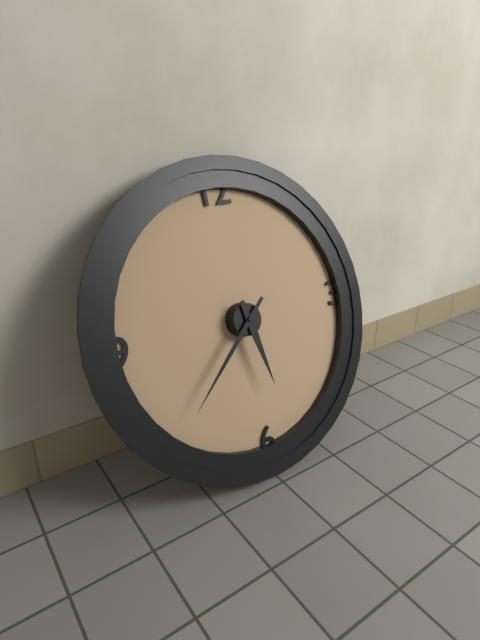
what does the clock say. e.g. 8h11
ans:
5h38
